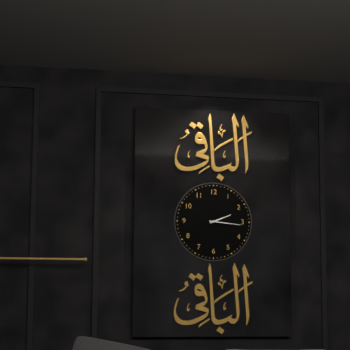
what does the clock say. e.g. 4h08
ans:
2h16
